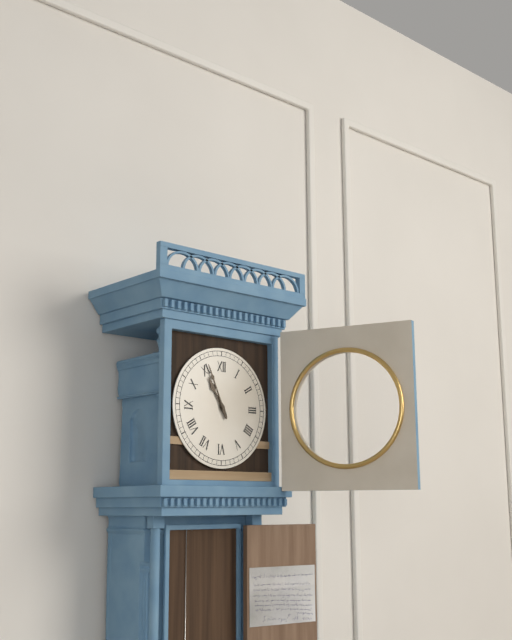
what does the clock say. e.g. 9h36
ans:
10h56
